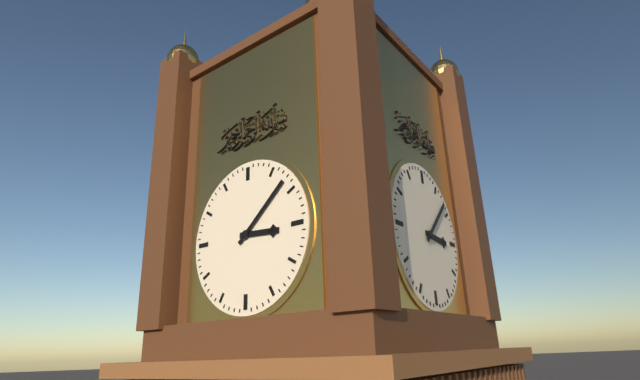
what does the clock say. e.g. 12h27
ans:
3h08
